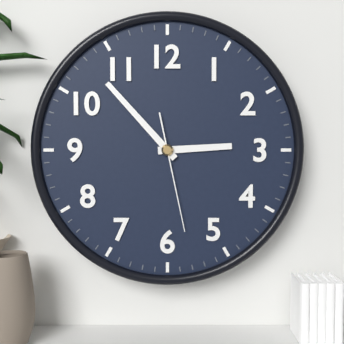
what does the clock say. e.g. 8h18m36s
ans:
2h53m28s
